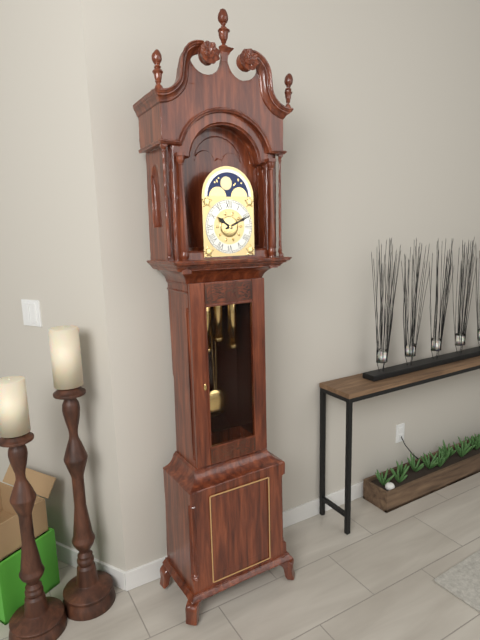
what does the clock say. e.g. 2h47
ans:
10h11
